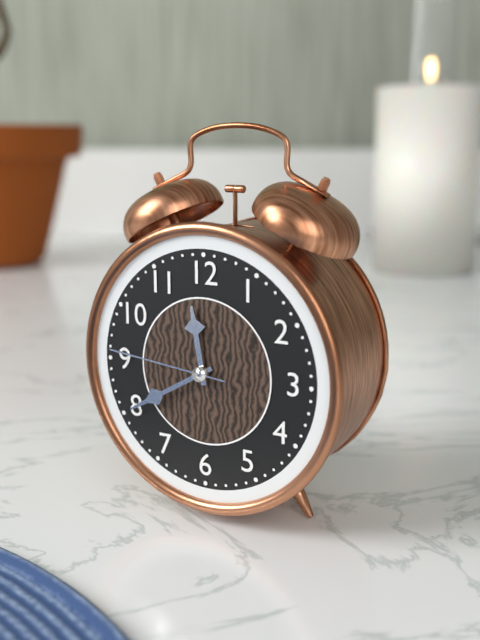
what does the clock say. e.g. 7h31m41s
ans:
11h40m46s
